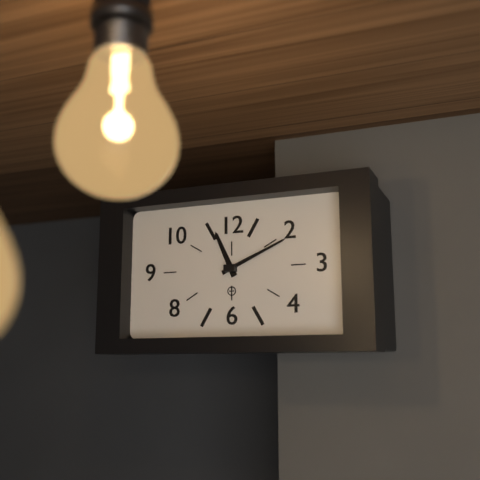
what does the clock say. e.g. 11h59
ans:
11h11
